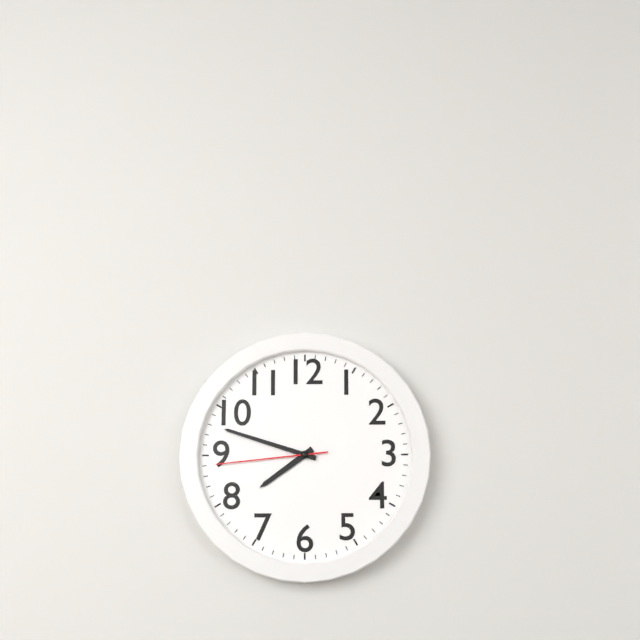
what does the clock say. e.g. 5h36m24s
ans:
7h48m44s
